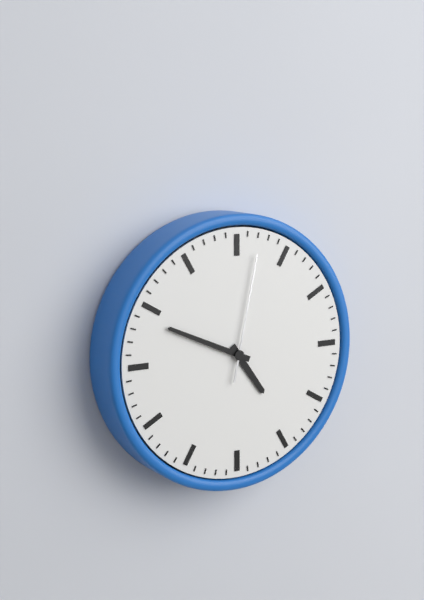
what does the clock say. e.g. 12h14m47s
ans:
4h49m02s
